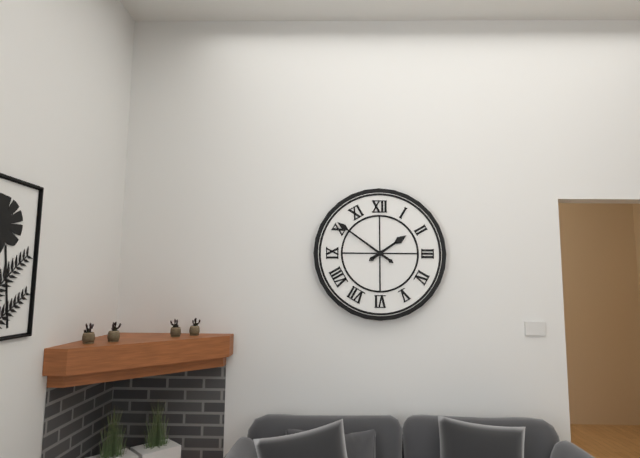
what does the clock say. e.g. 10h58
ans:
1h51
